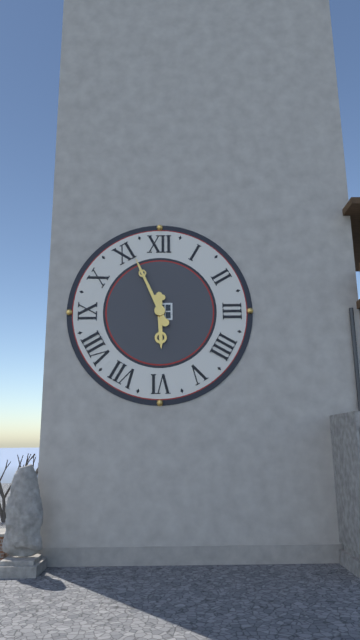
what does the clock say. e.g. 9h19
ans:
5h56
